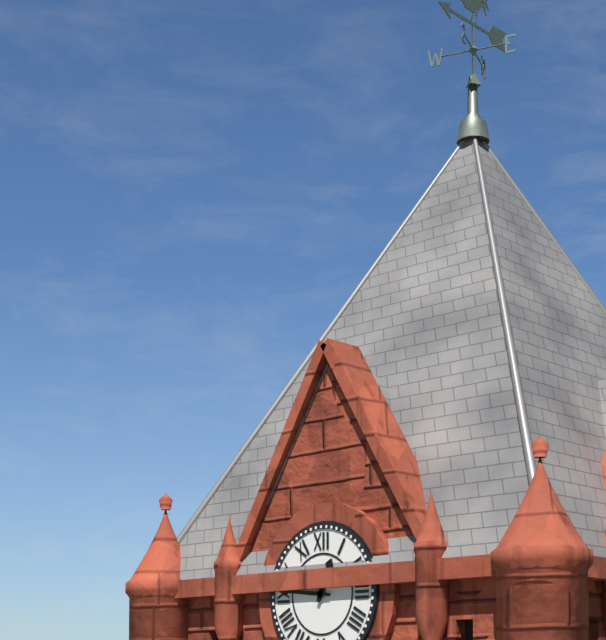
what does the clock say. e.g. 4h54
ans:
12h46
